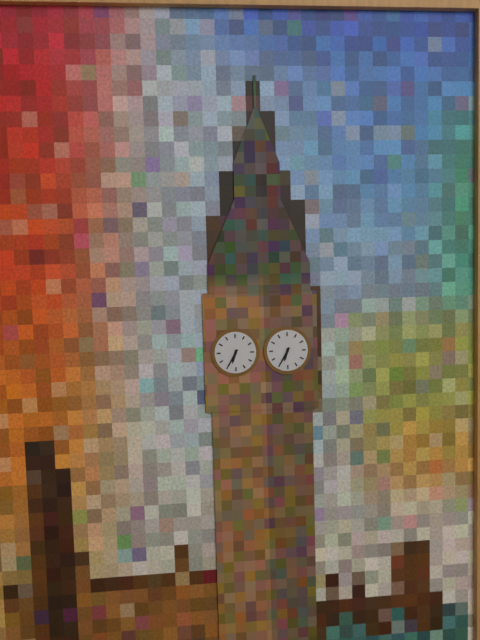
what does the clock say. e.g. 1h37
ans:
6h35
